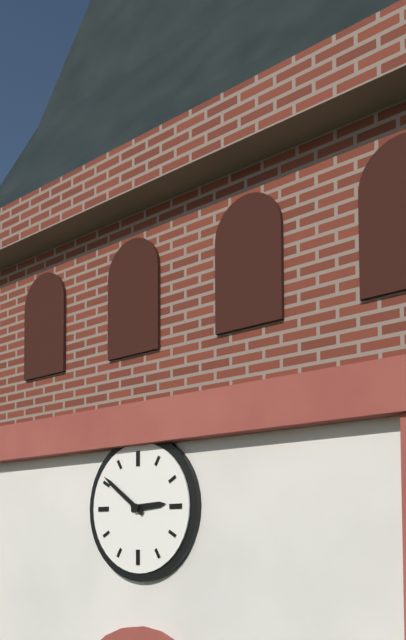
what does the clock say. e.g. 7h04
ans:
2h51
